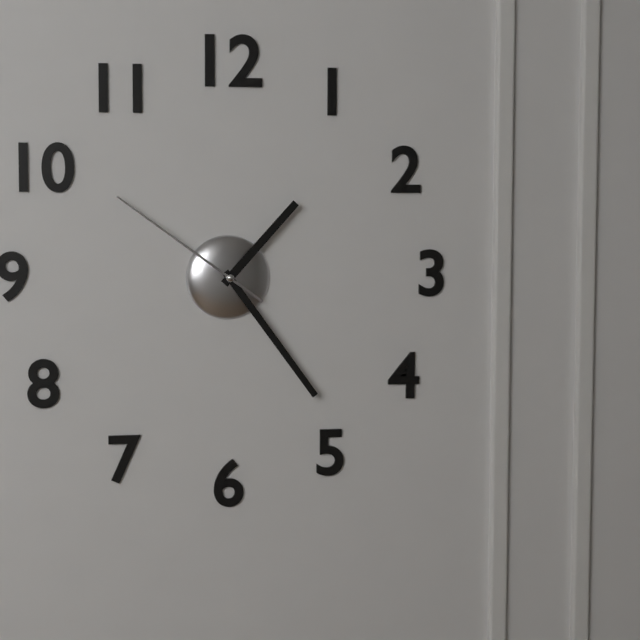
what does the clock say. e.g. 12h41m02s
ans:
1h24m51s
